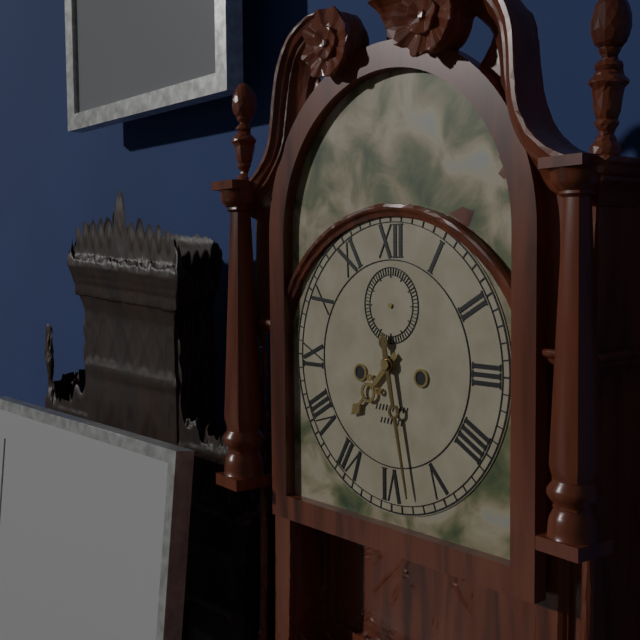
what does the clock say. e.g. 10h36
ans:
7h28
